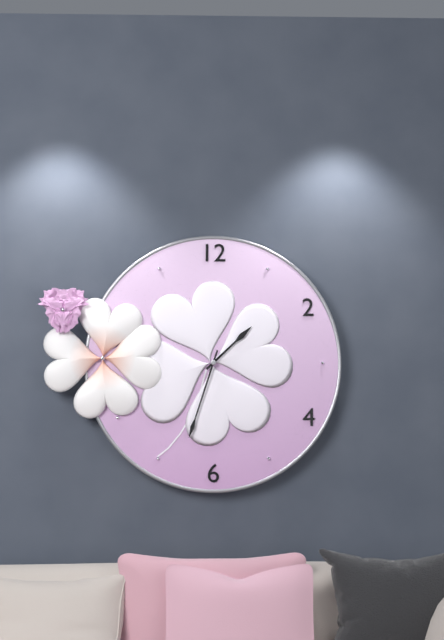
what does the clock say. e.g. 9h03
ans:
1h33
